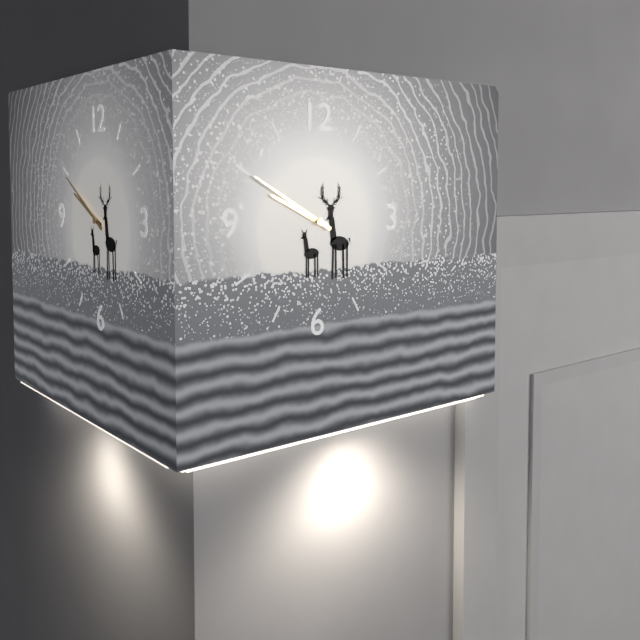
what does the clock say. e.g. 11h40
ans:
9h50
